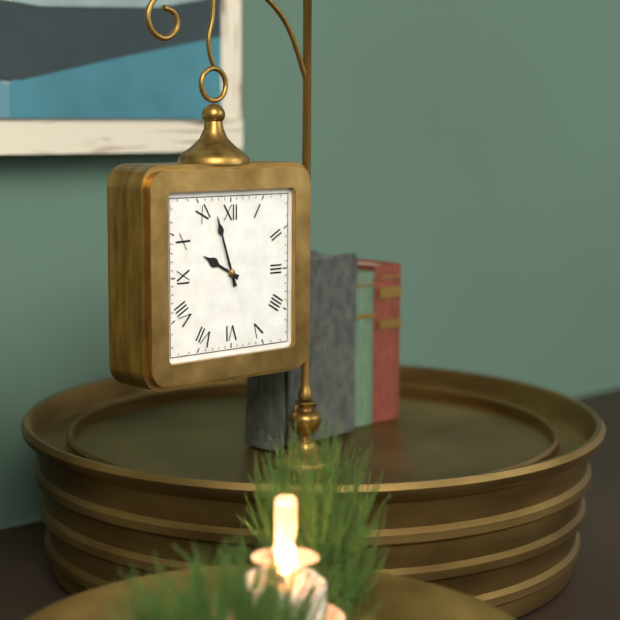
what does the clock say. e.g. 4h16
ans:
9h57
